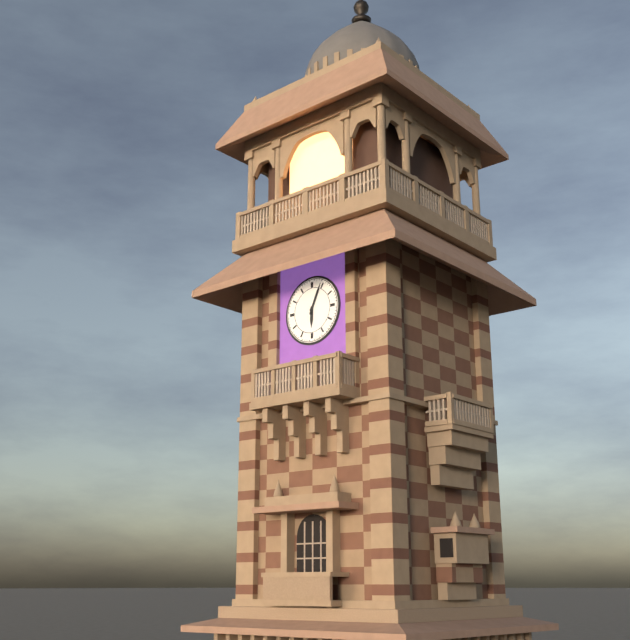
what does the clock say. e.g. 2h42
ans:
6h04
